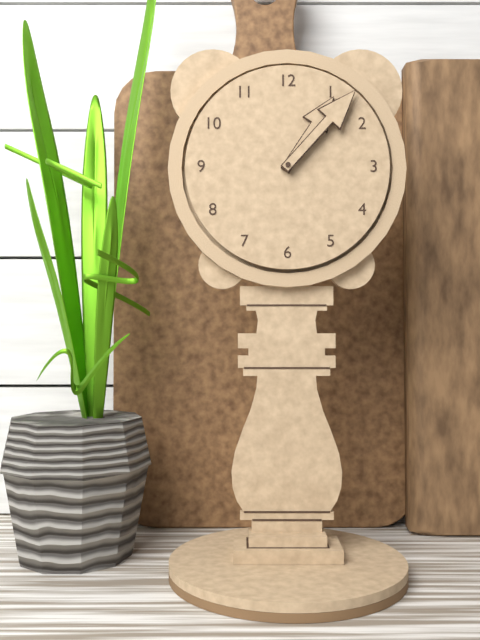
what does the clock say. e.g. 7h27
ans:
1h07
